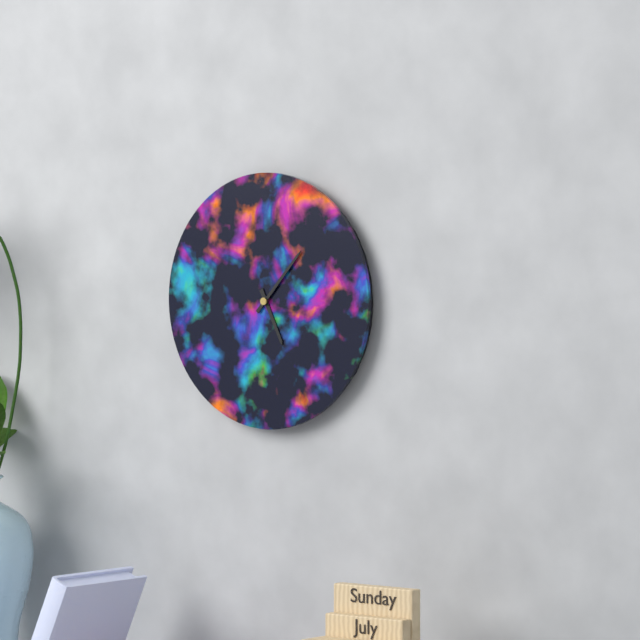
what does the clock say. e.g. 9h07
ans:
5h07
